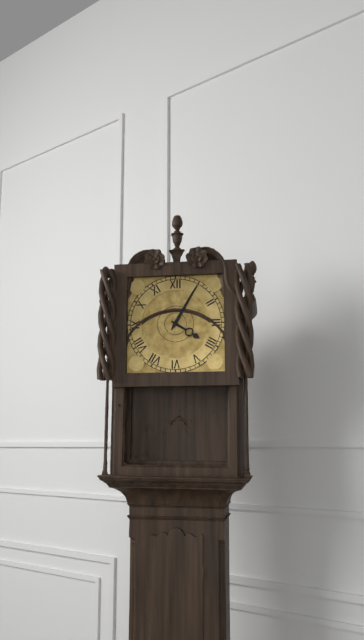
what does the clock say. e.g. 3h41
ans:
4h05
